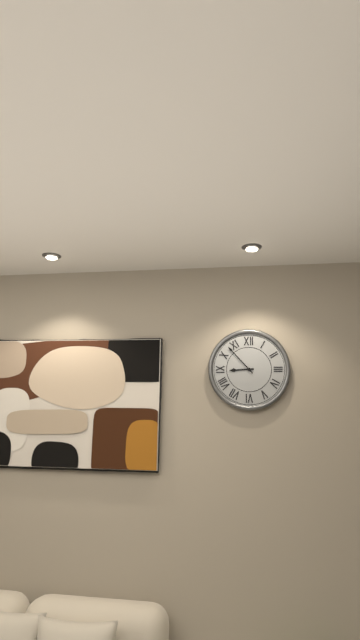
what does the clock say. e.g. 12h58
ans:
8h53
